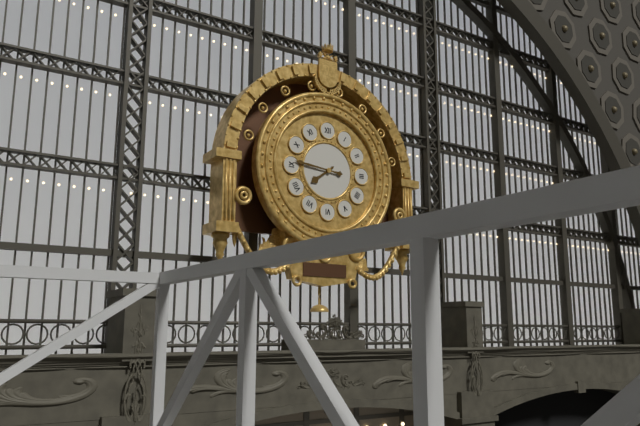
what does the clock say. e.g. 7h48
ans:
7h46
